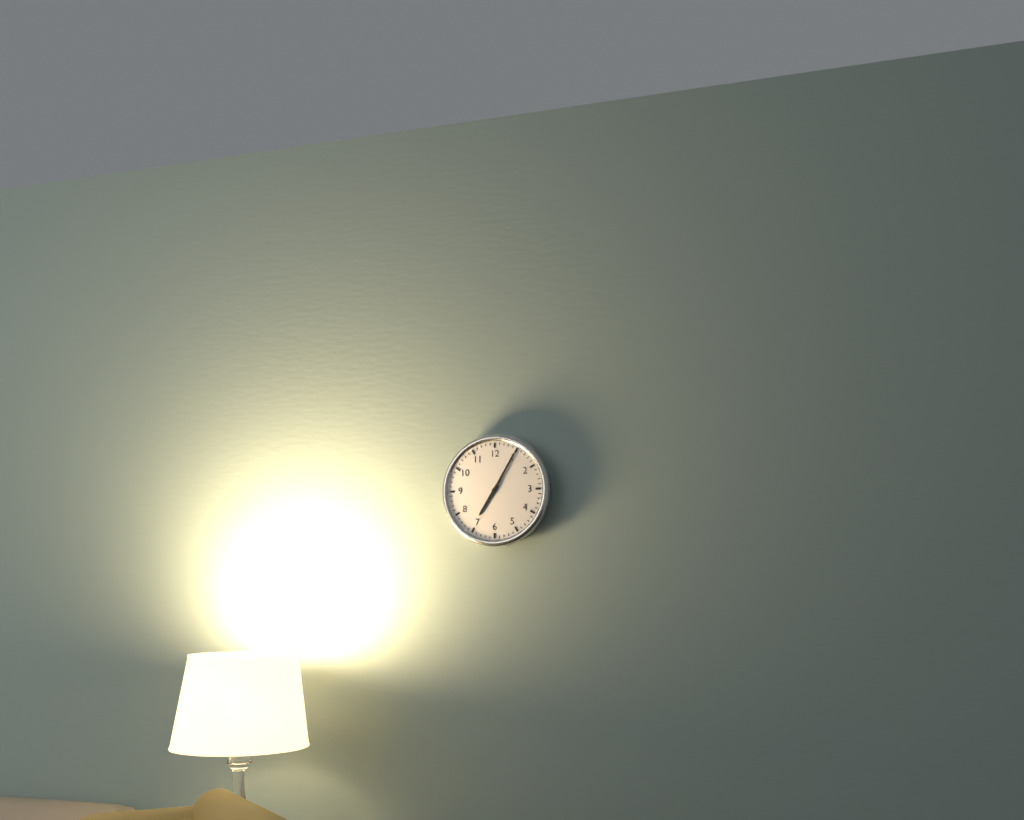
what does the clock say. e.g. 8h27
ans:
7h05
